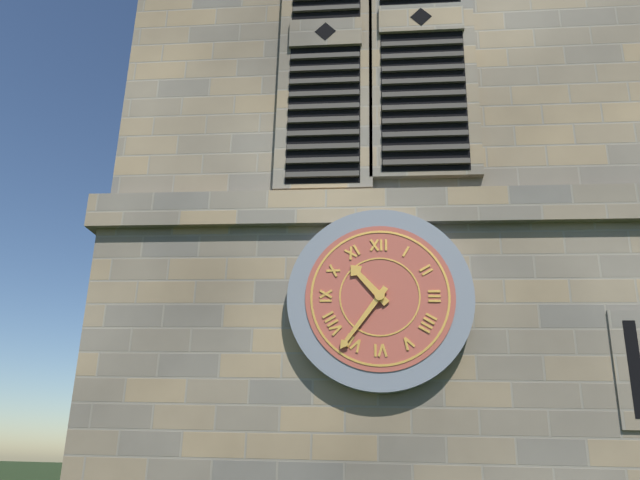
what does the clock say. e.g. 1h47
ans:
10h36
